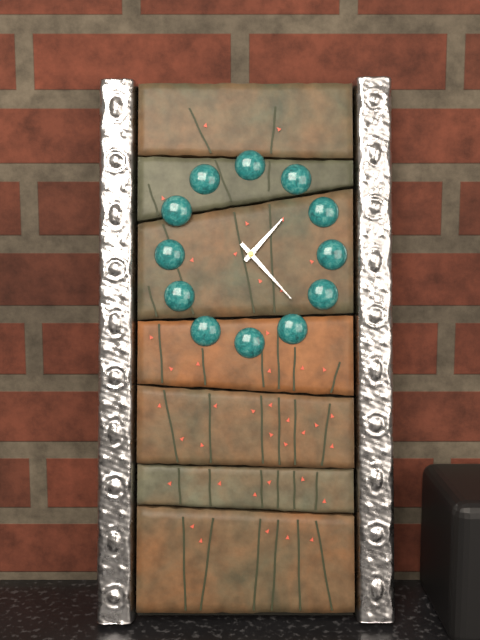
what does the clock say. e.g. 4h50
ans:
1h23
